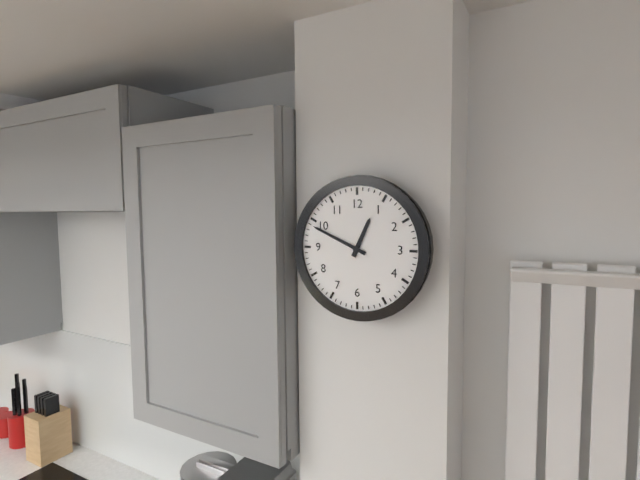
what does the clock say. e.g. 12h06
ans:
12h49
